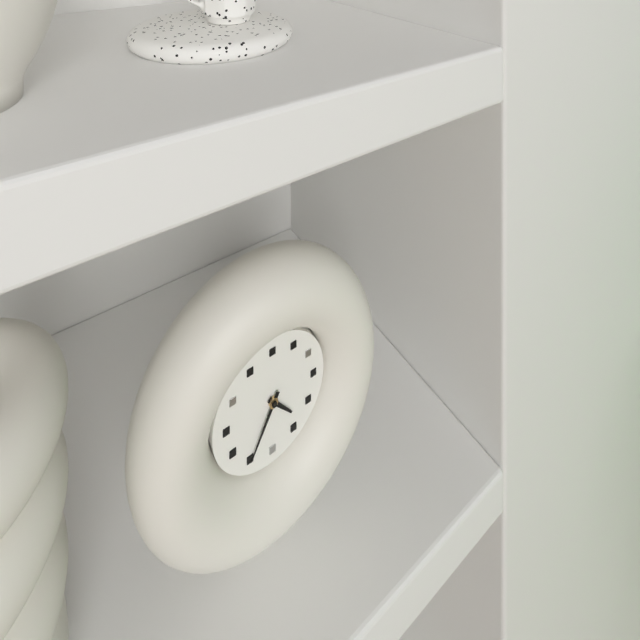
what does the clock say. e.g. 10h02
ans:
4h35
